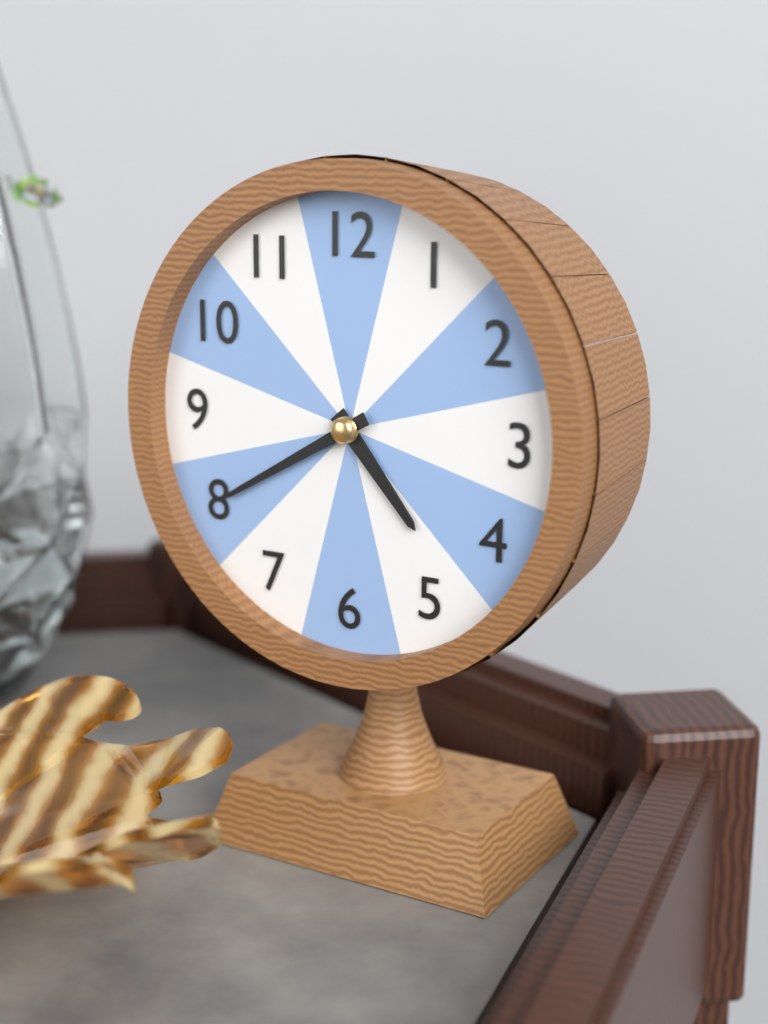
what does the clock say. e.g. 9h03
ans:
4h40
